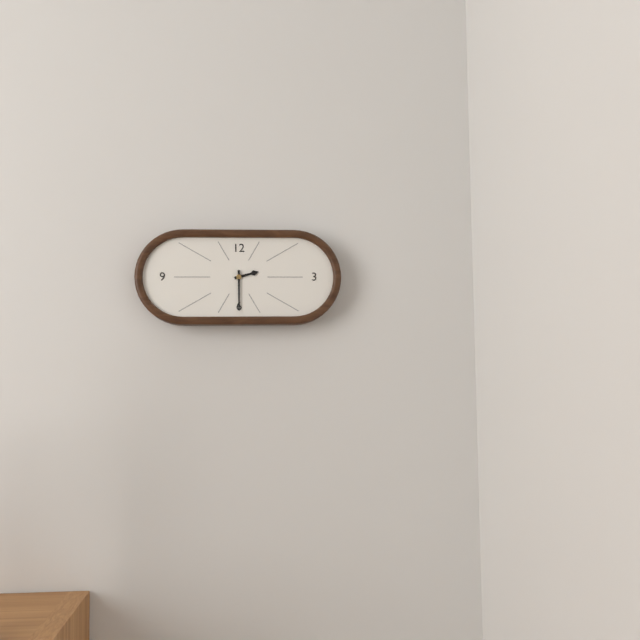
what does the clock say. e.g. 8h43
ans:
2h30
